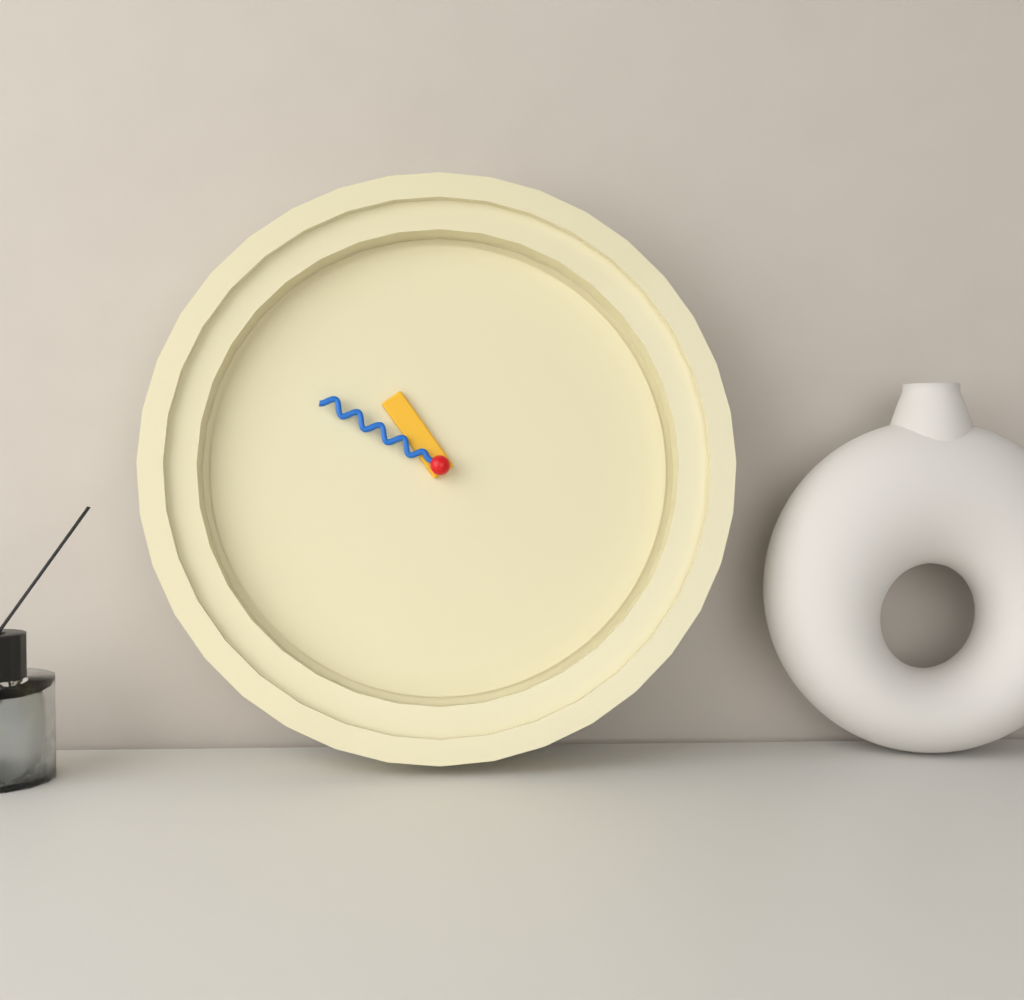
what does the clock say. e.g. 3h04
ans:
10h50
